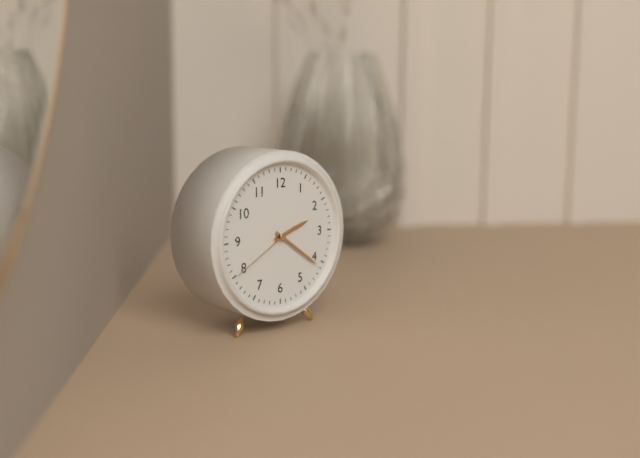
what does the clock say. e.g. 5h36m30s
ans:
2h21m40s
